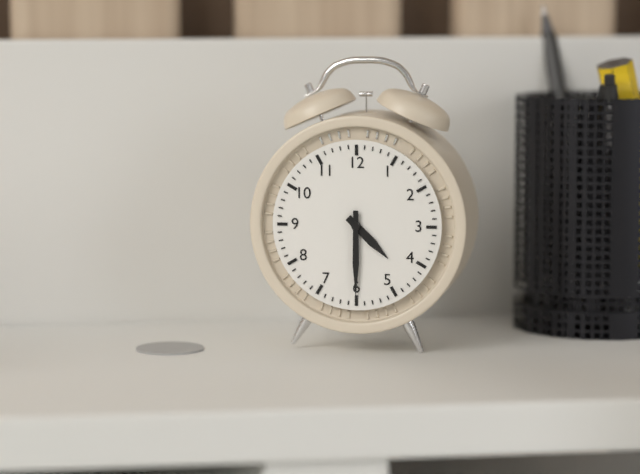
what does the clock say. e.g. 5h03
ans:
4h30
